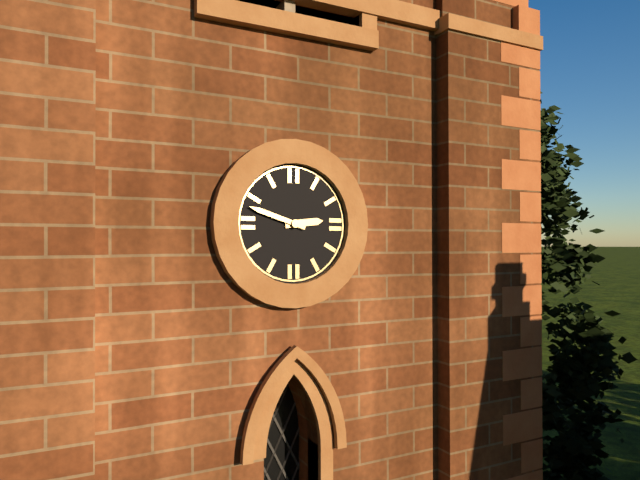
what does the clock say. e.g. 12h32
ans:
2h48
